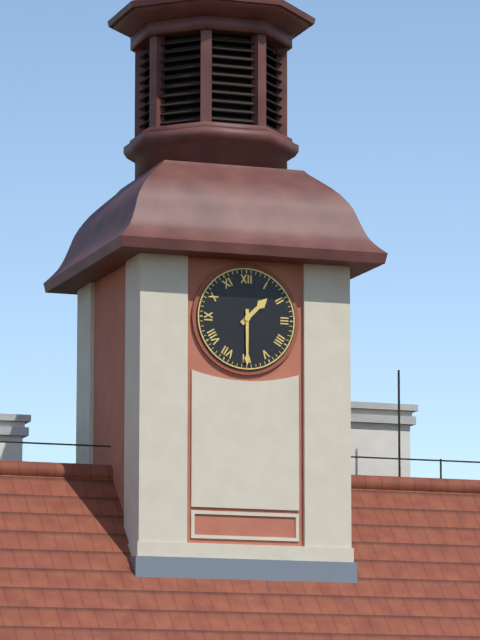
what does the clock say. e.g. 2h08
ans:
1h30
